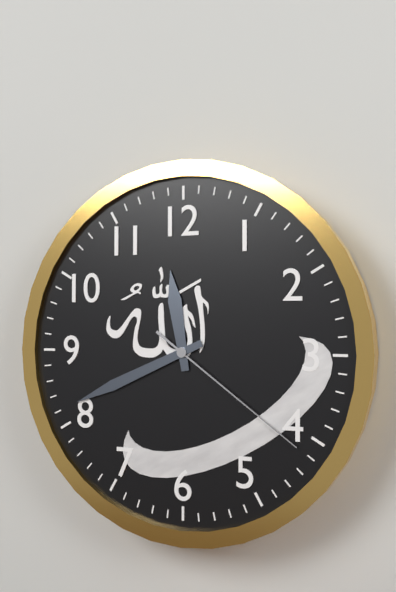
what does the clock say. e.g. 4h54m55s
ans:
11h41m21s
